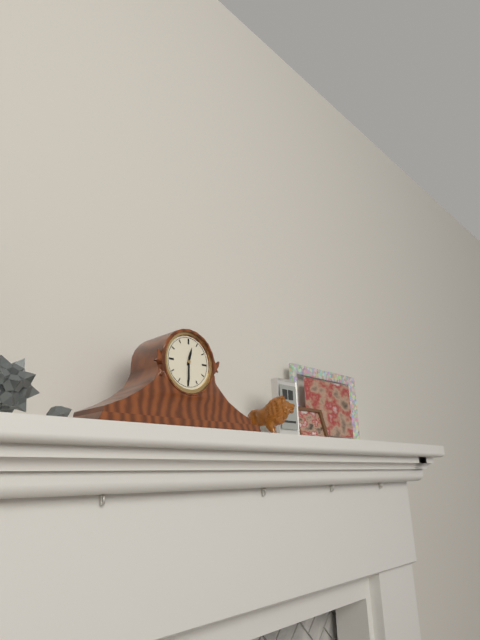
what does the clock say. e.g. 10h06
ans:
12h30
